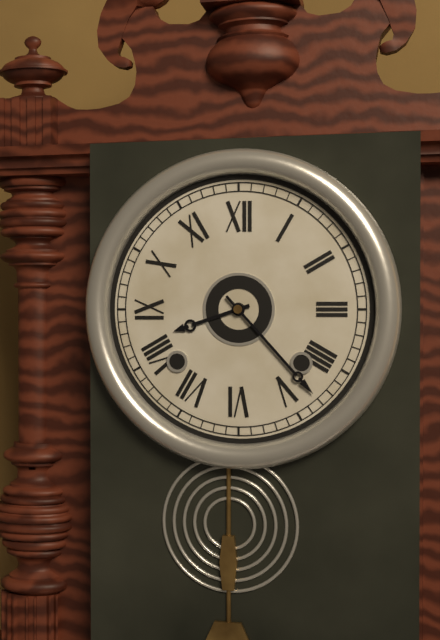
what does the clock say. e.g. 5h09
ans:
8h23
